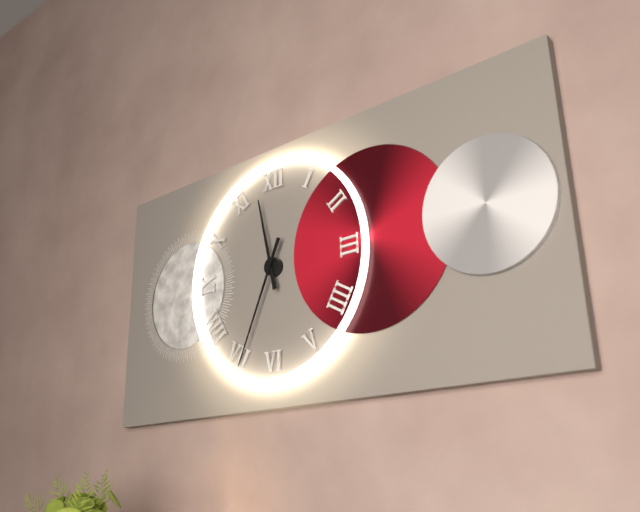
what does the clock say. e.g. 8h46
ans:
11h34
